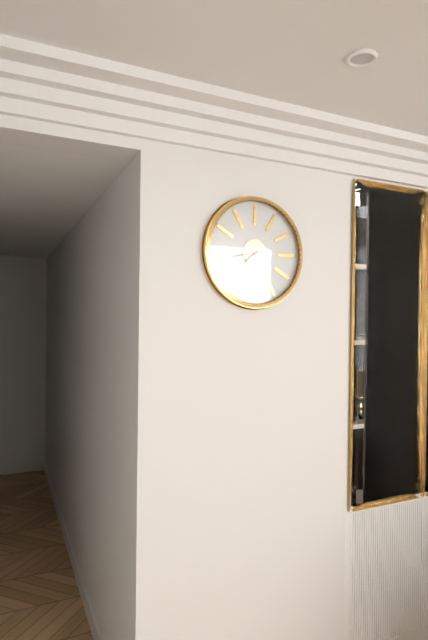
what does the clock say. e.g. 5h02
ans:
7h43
